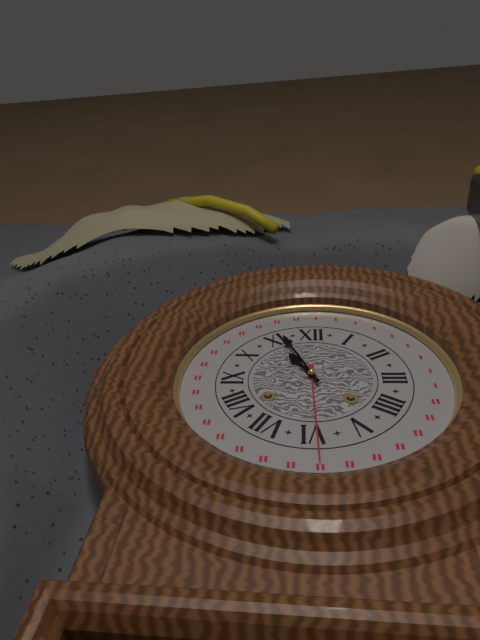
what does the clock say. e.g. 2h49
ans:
10h56
